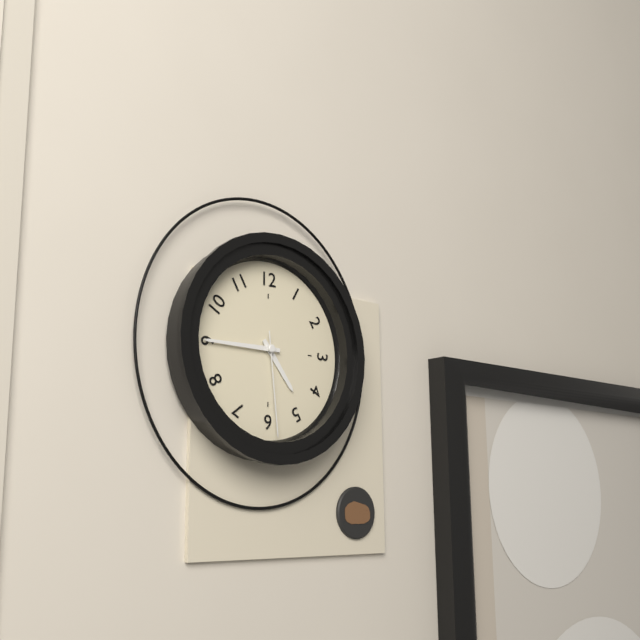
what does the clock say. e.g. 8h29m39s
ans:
4h45m29s
